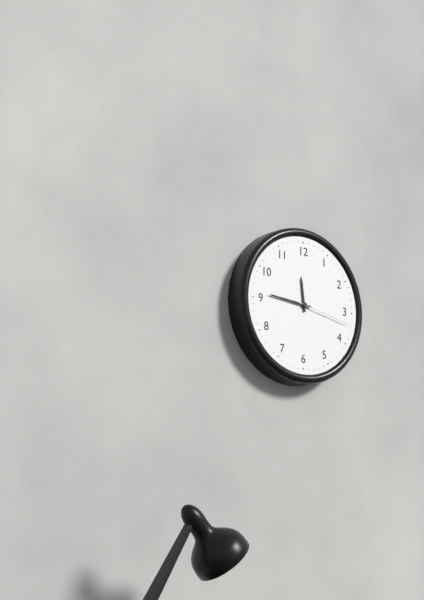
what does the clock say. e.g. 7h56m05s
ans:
11h46m17s
